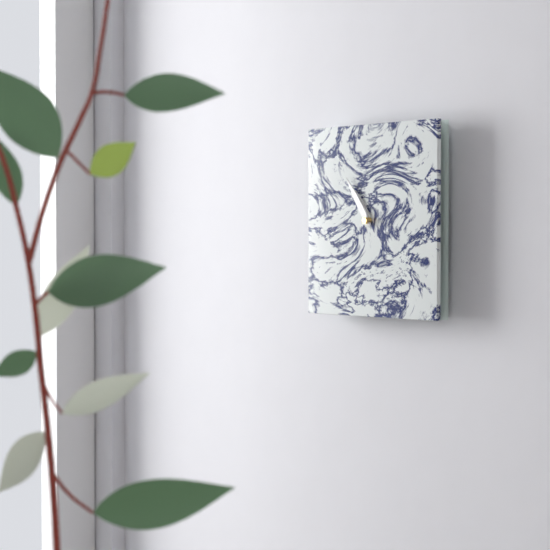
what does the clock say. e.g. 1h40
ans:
10h54
